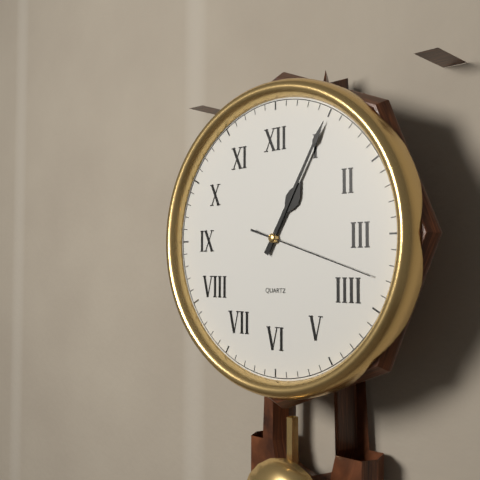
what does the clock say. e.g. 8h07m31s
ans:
1h05m18s
